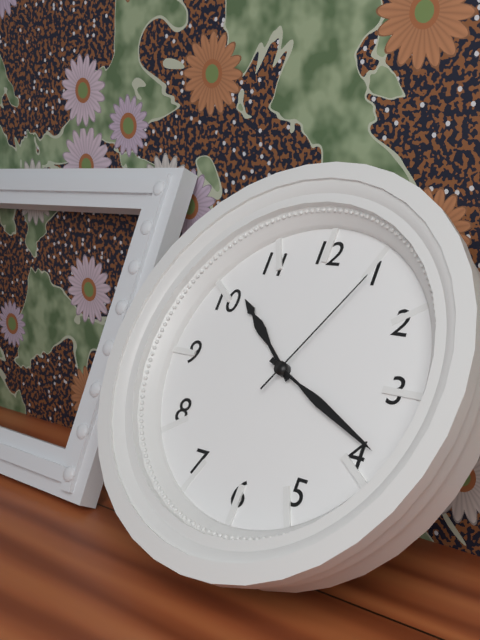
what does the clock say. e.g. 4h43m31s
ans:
10h19m05s
